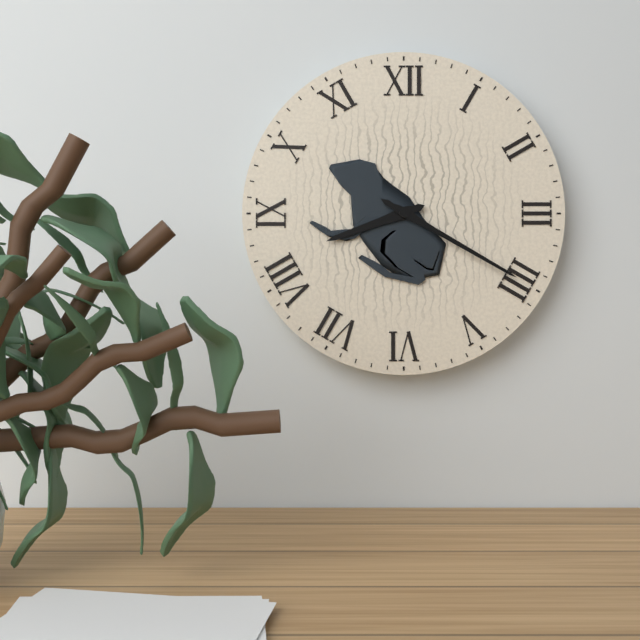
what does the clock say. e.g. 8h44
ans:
8h20
